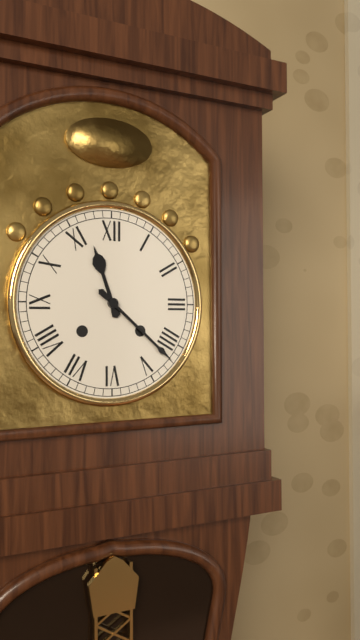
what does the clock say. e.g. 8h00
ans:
11h22
